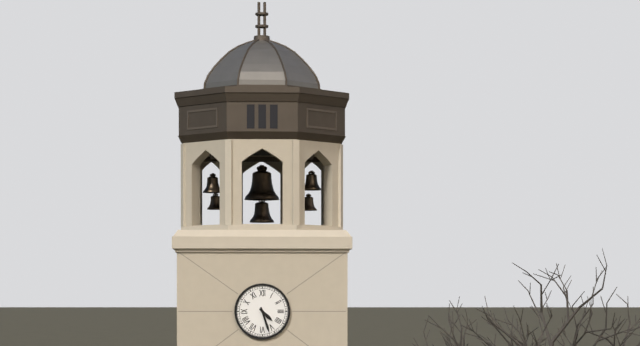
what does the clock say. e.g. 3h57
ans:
4h27
